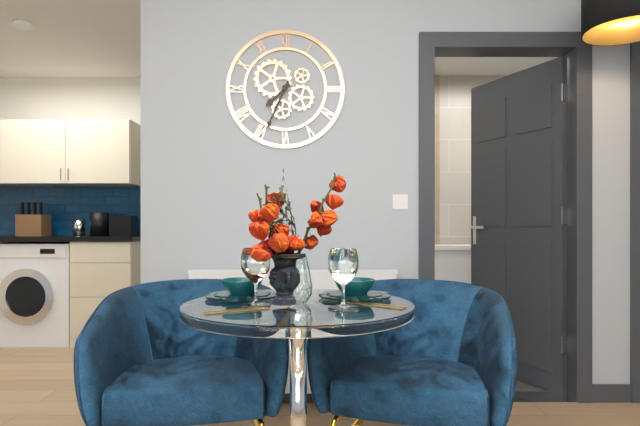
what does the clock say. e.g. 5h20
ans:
7h34
